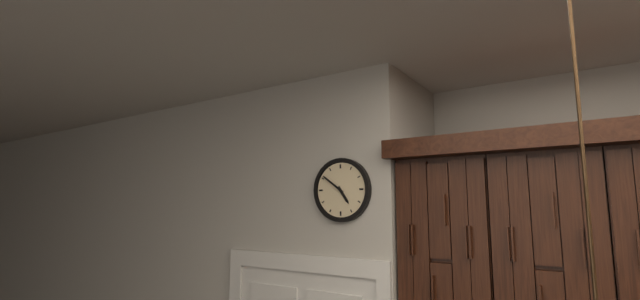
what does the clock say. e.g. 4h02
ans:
4h51
